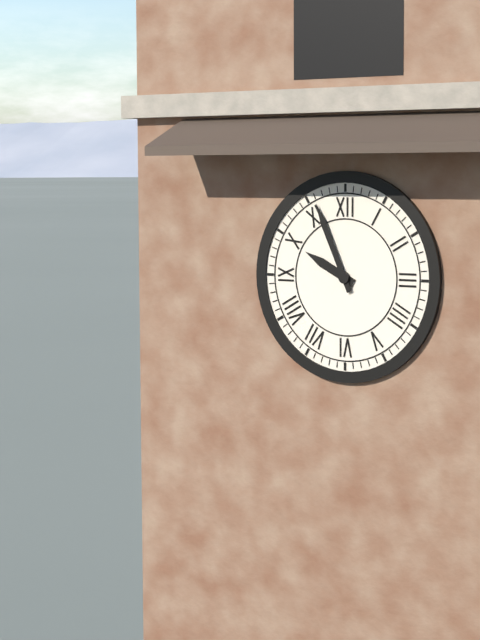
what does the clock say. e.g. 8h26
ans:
9h56
